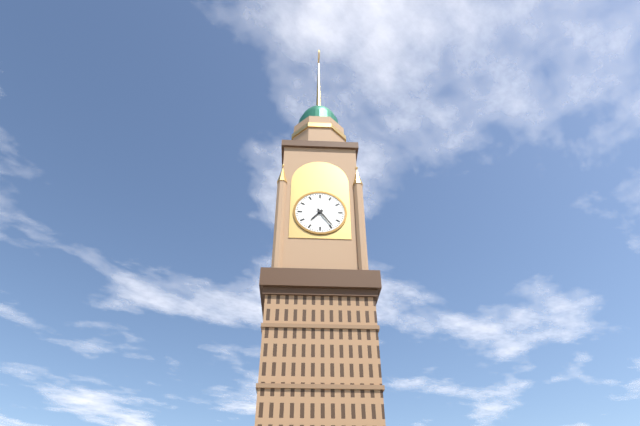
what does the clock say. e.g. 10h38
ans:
7h24
